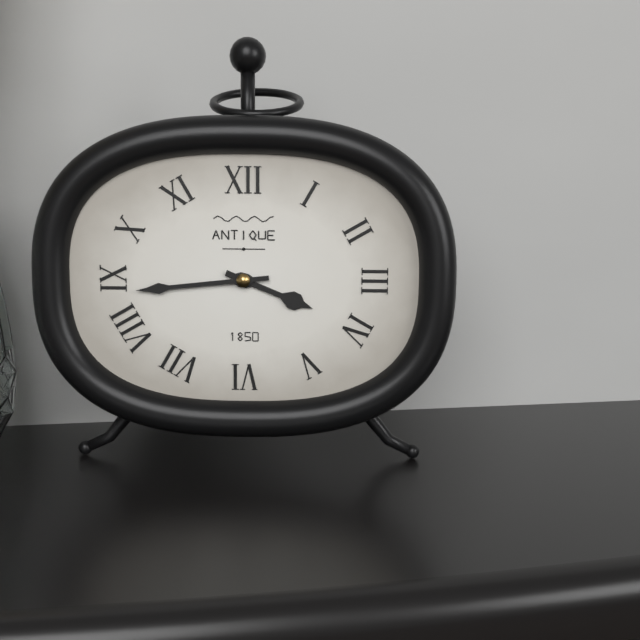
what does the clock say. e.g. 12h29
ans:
3h44
